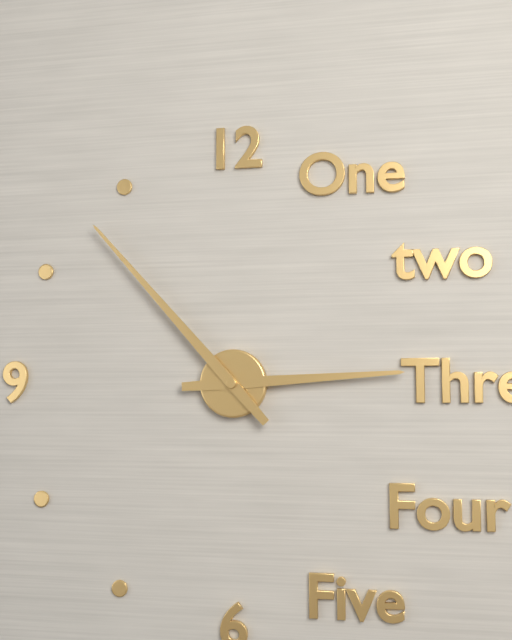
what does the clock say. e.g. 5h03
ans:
2h53
